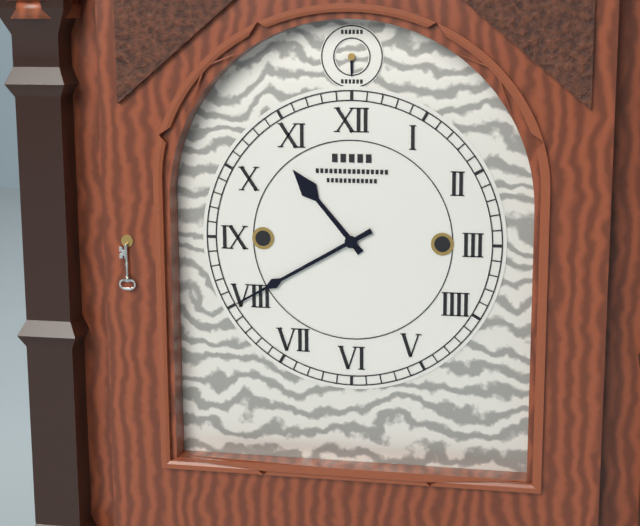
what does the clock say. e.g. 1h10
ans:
10h40
